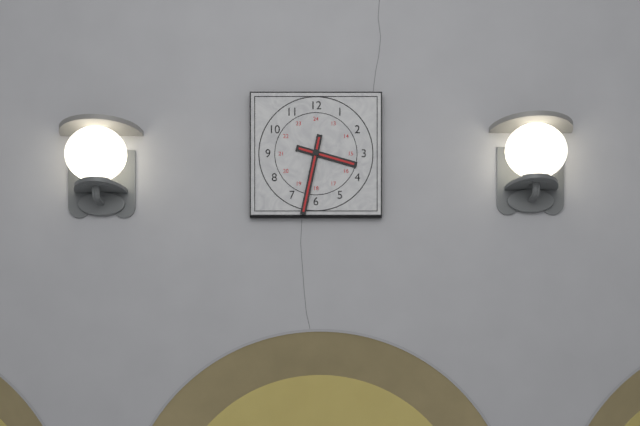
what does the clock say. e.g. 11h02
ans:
3h32
